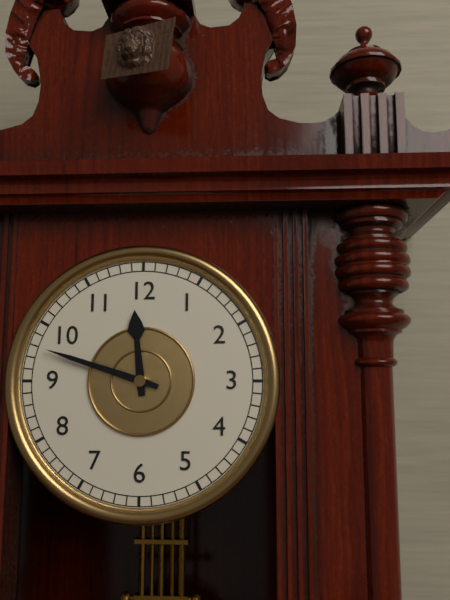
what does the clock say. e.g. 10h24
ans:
11h48
